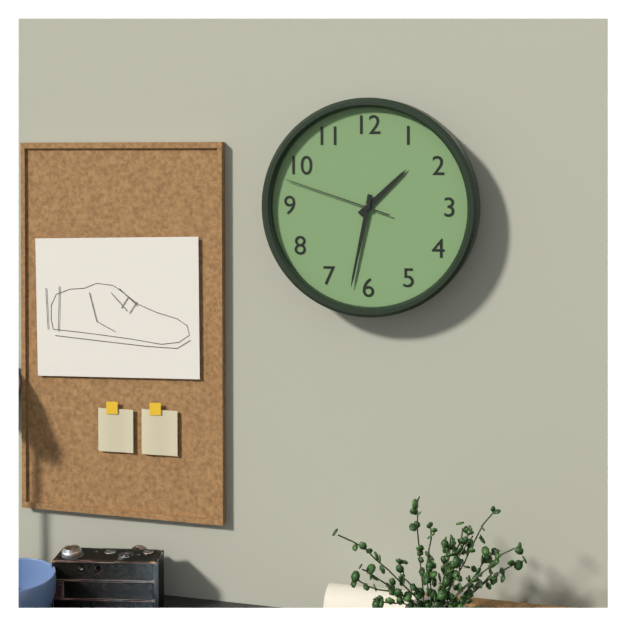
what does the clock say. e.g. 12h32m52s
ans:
1h32m48s
